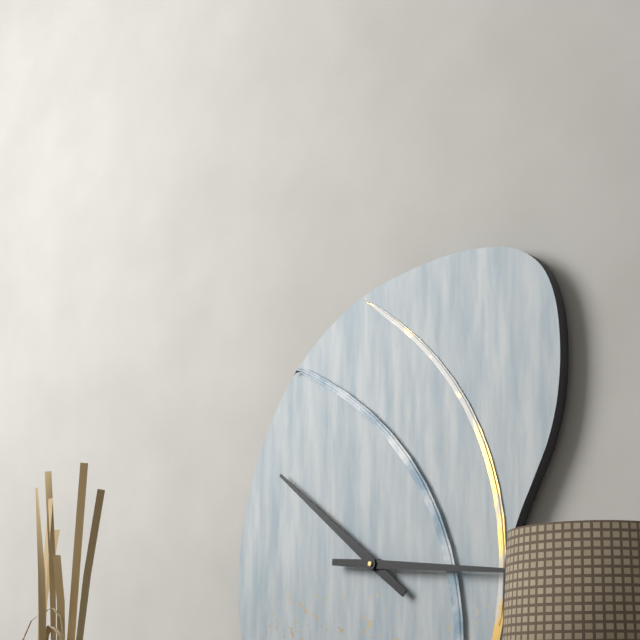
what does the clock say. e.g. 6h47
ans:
10h16
